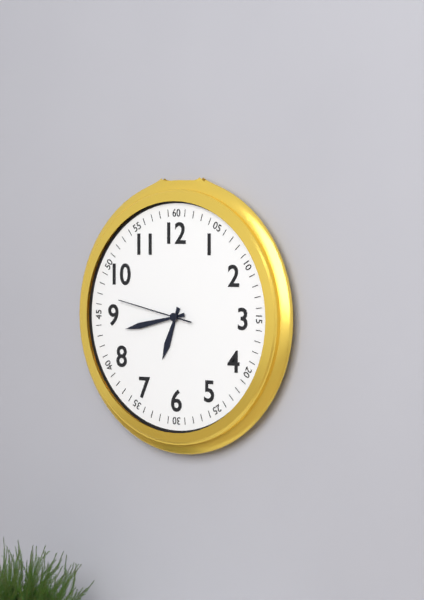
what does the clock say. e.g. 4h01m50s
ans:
6h43m47s
